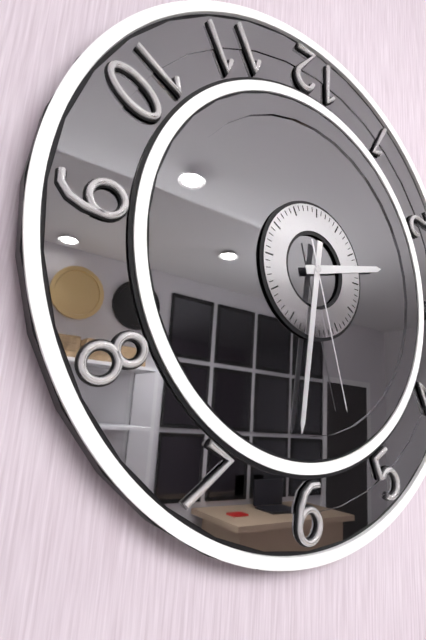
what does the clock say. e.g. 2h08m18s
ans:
2h31m27s
